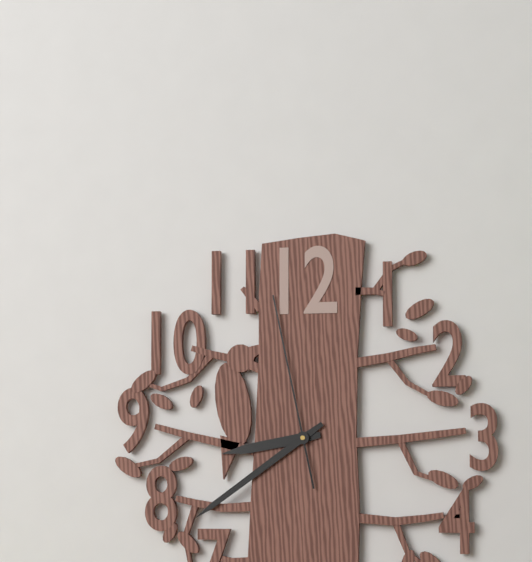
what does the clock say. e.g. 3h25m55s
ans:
8h39m58s
